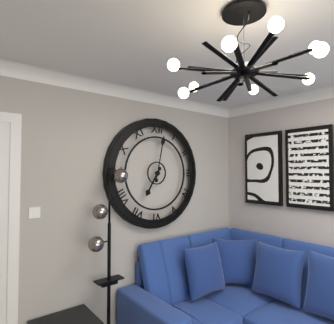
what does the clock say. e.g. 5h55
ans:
7h02
